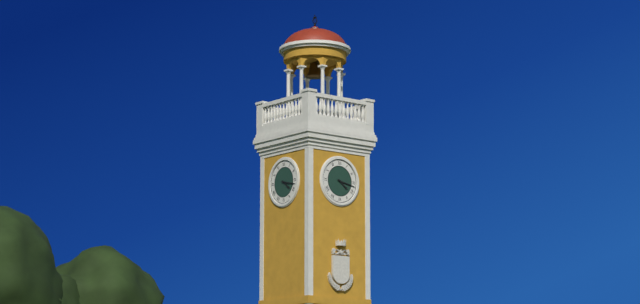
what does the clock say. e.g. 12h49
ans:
4h17
